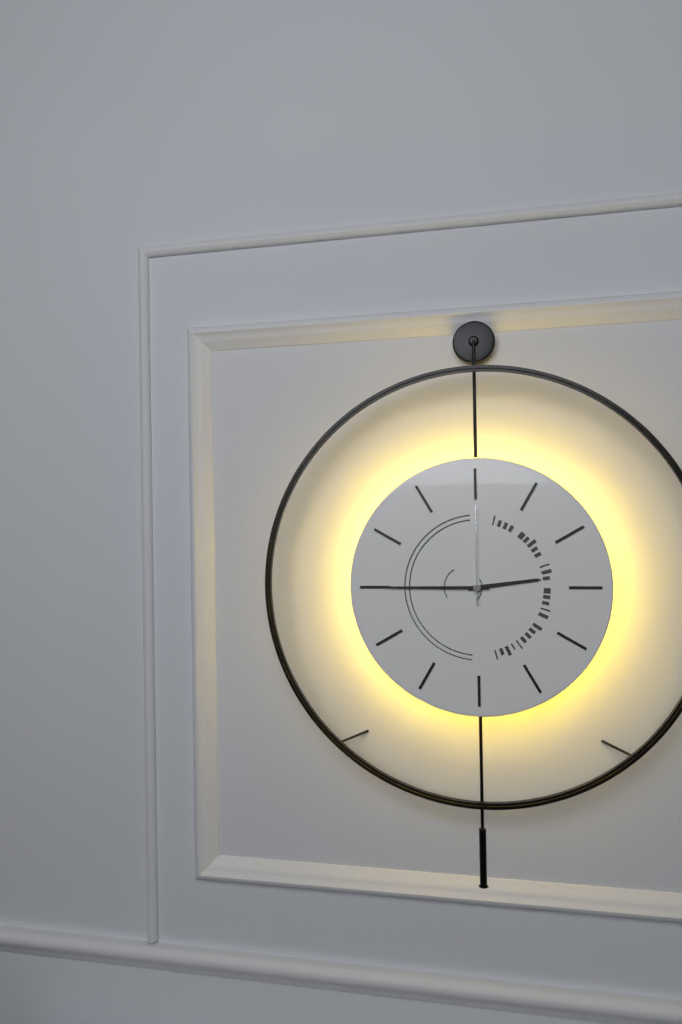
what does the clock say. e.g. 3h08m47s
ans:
2h45m00s
